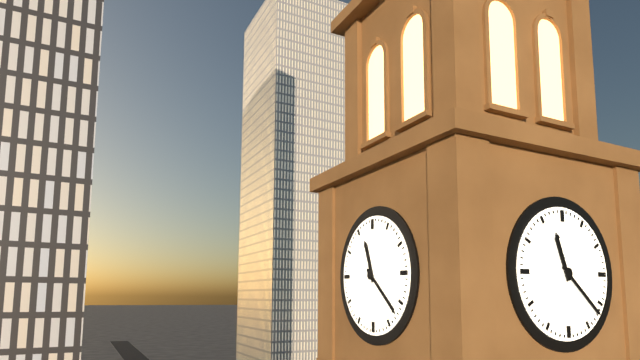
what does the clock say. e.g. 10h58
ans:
11h22
